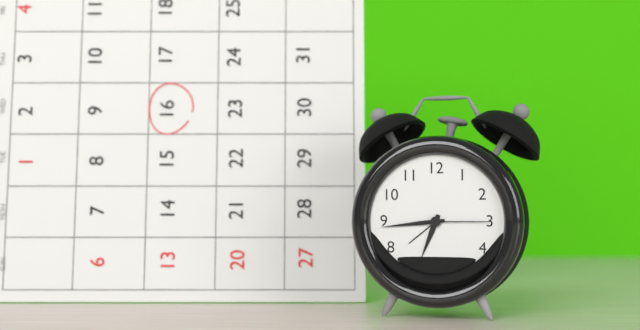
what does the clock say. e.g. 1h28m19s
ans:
6h44m15s
